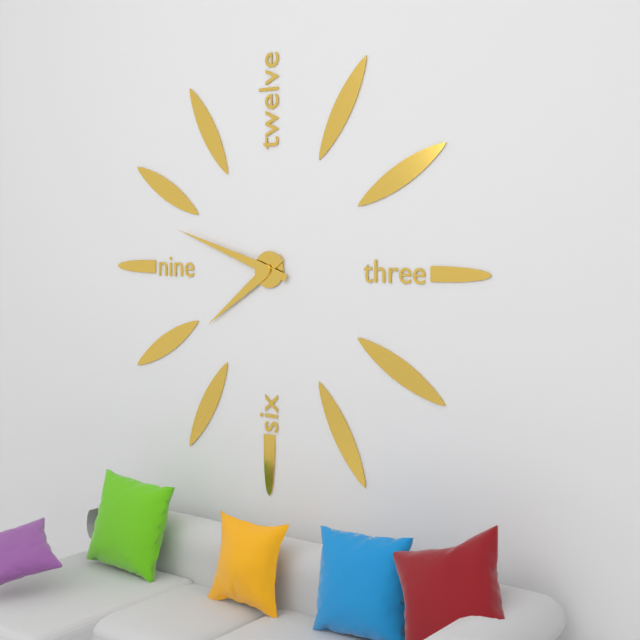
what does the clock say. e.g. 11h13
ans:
7h48
